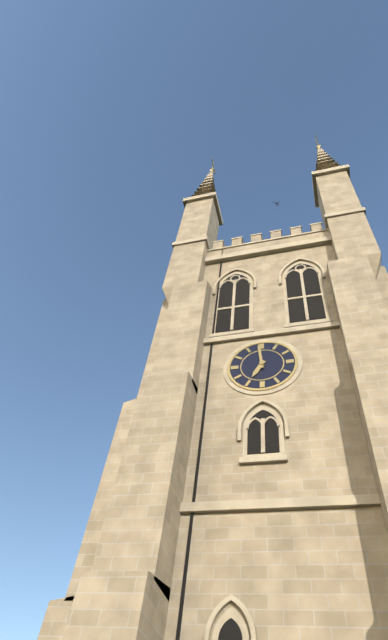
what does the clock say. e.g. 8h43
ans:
6h59
